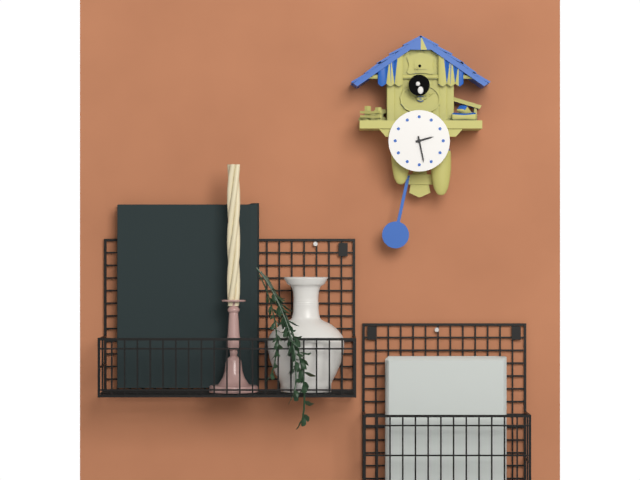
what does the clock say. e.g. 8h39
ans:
2h28
